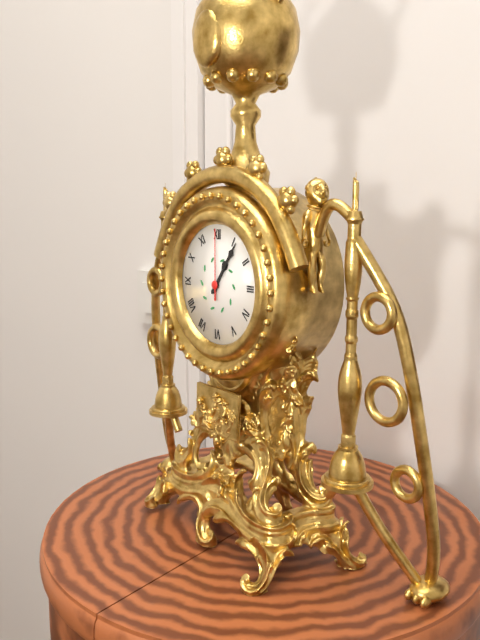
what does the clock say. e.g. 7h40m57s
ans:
1h06m00s
